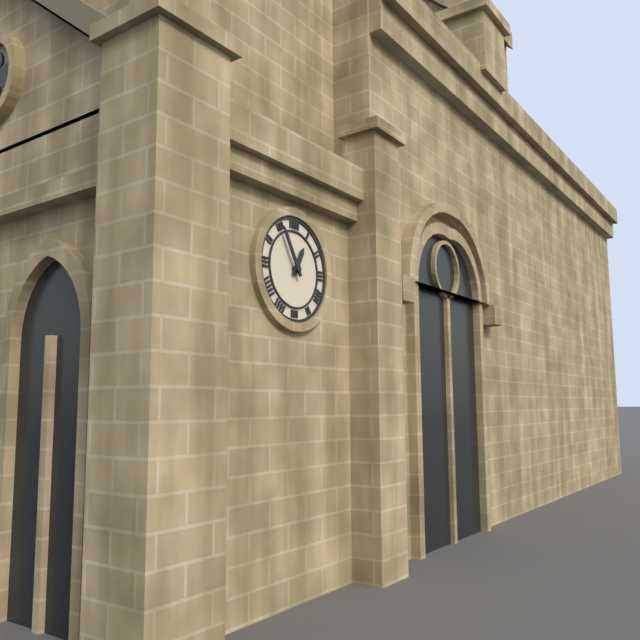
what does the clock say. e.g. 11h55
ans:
12h55
